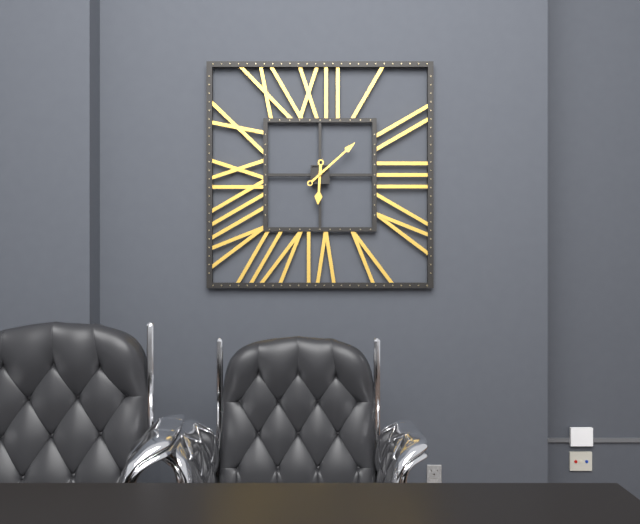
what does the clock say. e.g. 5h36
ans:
6h08
